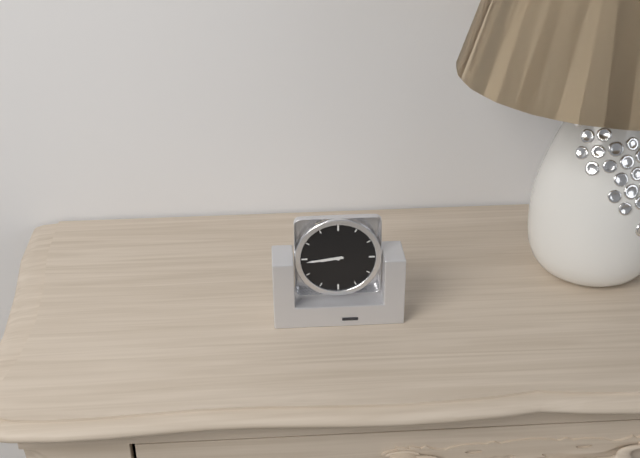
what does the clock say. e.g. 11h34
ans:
8h44
